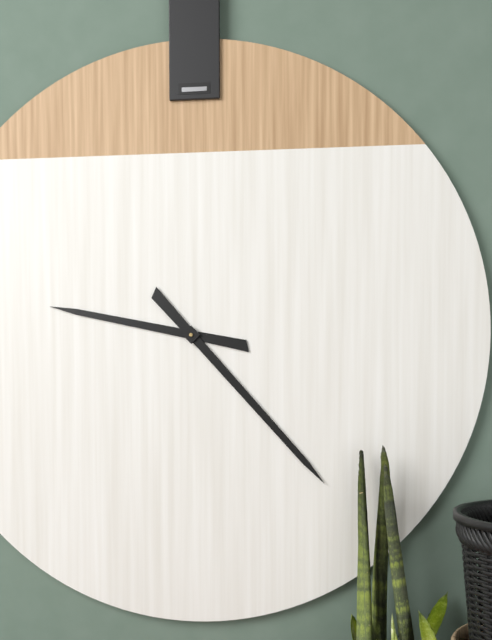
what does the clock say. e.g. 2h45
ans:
9h23
